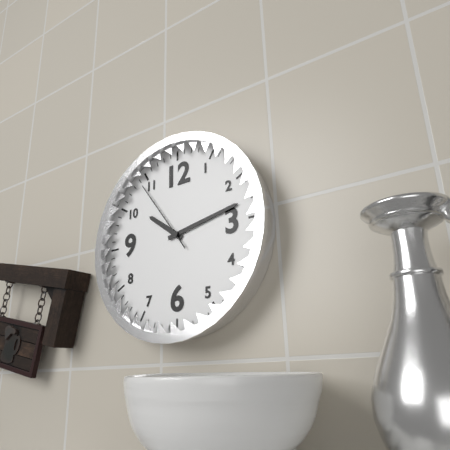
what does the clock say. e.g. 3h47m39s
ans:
10h13m54s
